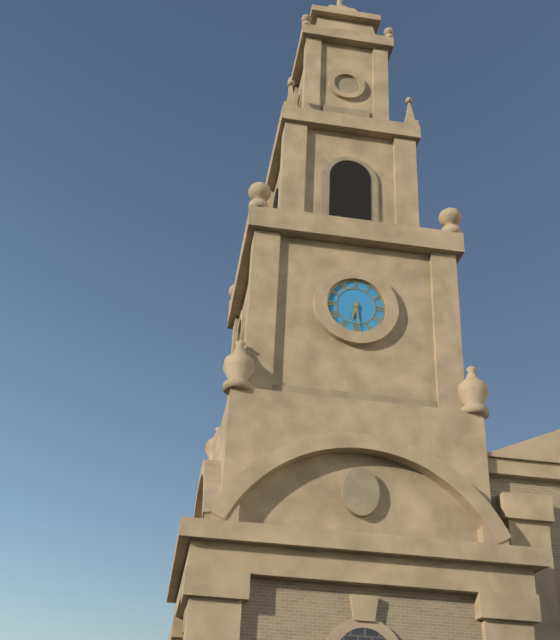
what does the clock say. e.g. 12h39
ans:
6h29
